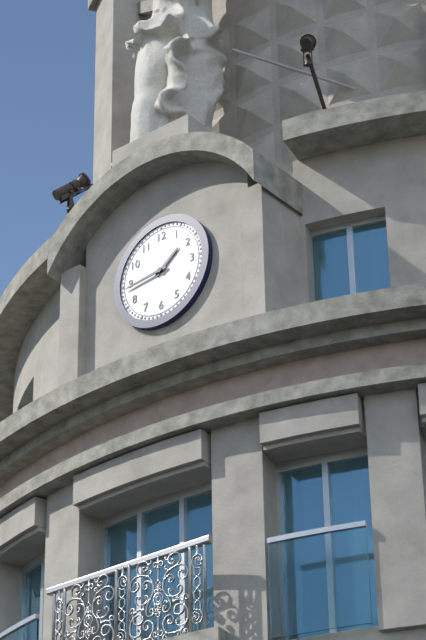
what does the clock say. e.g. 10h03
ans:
1h44
